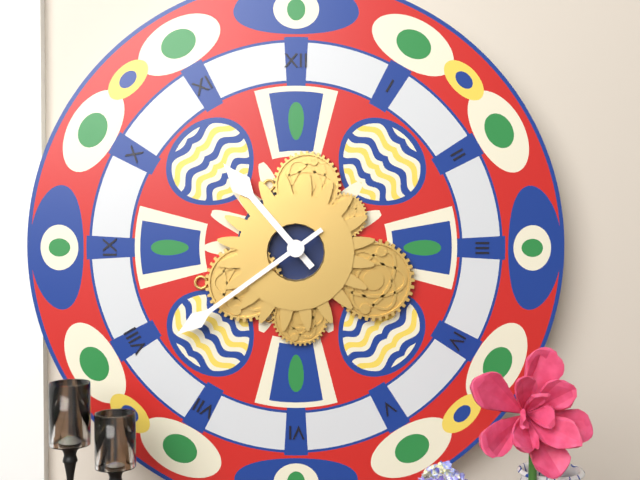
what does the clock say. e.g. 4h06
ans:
10h39
